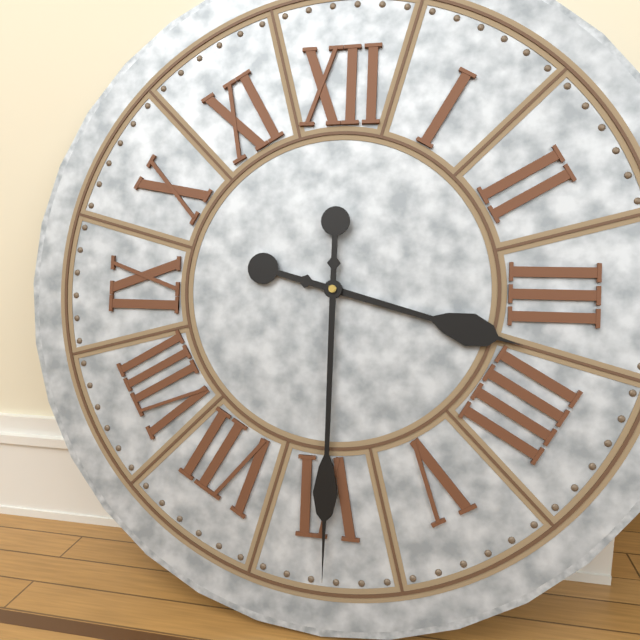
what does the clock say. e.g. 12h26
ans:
3h30
